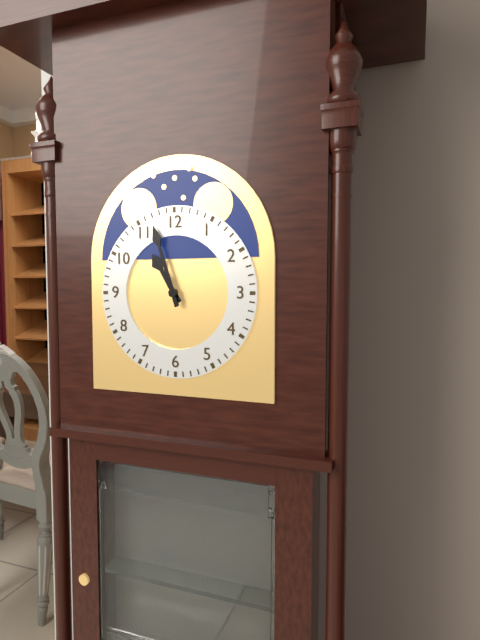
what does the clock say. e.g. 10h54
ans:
10h57
